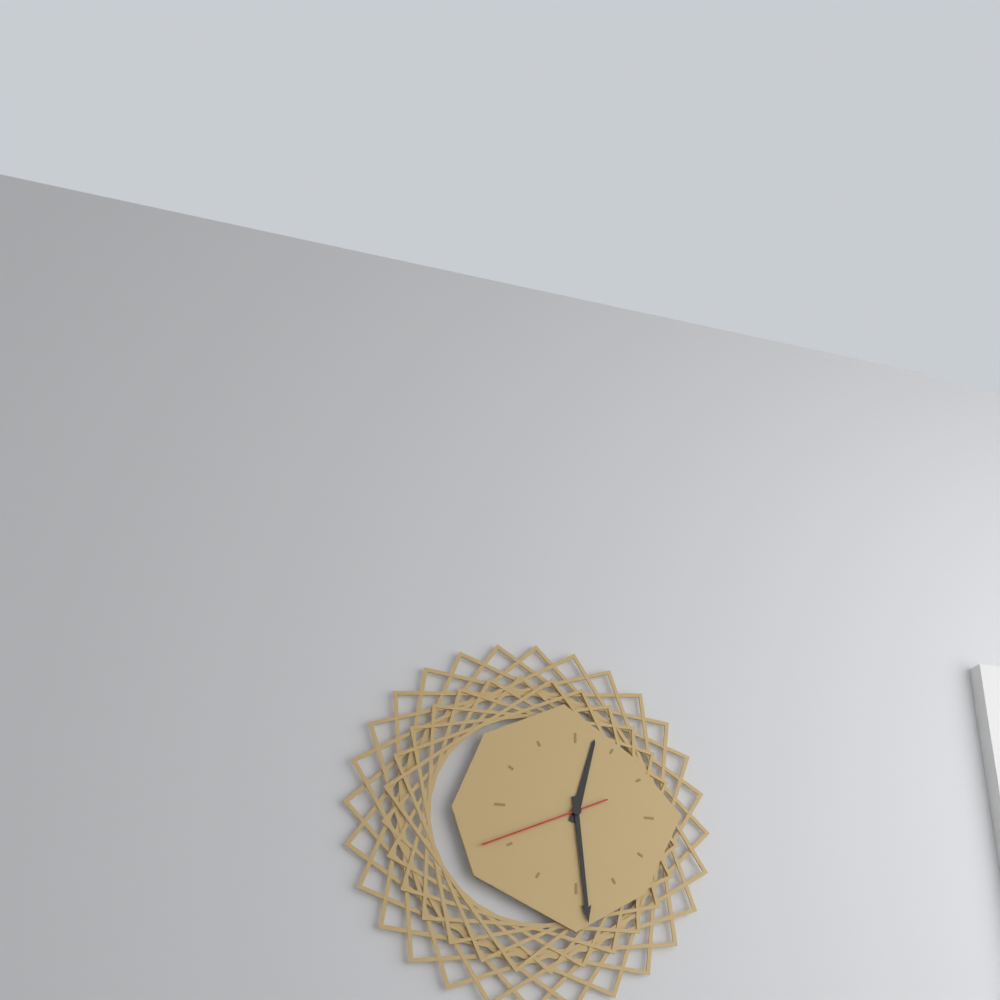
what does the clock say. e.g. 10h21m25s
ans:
12h29m41s
